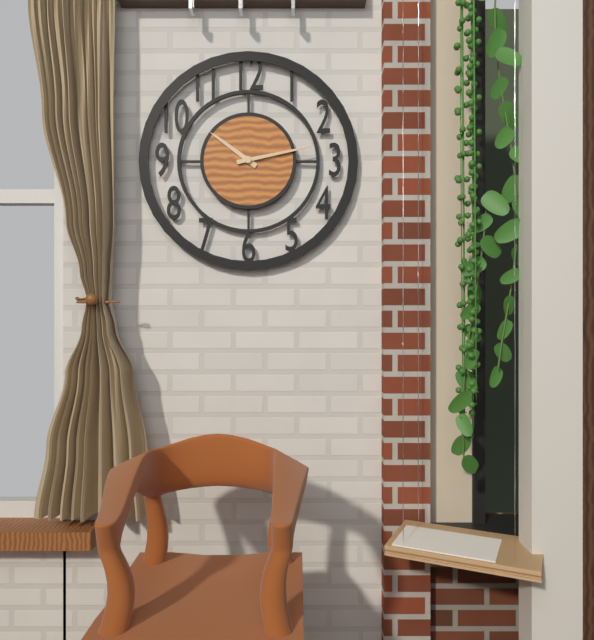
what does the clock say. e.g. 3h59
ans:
10h13
